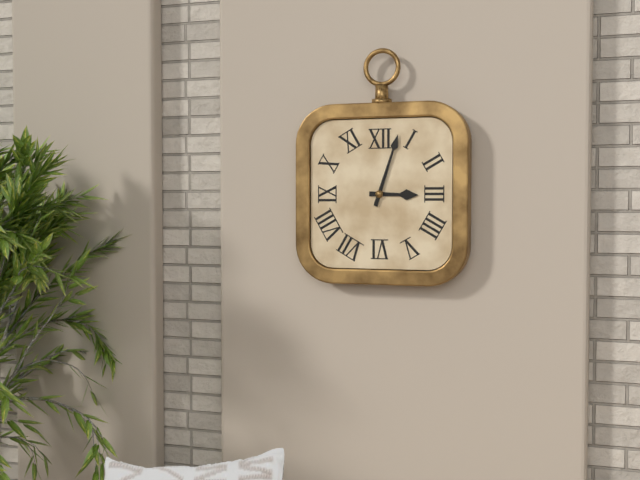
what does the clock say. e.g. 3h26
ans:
3h03
